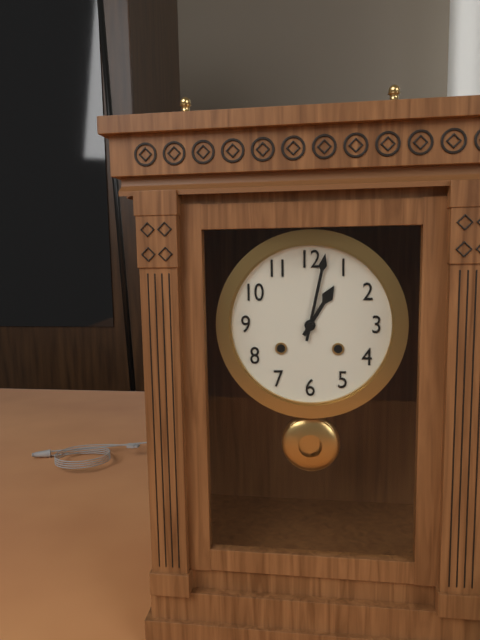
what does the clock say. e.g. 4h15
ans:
1h02
